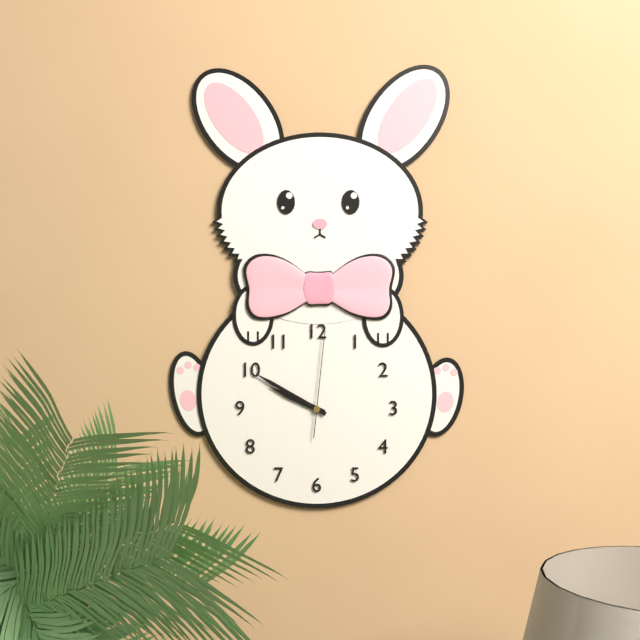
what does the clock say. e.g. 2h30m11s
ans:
9h50m01s
